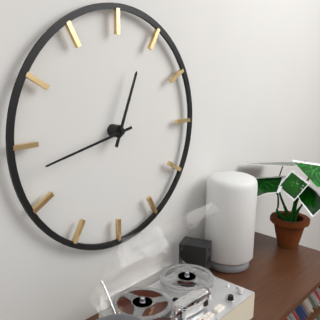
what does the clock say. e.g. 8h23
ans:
12h43
